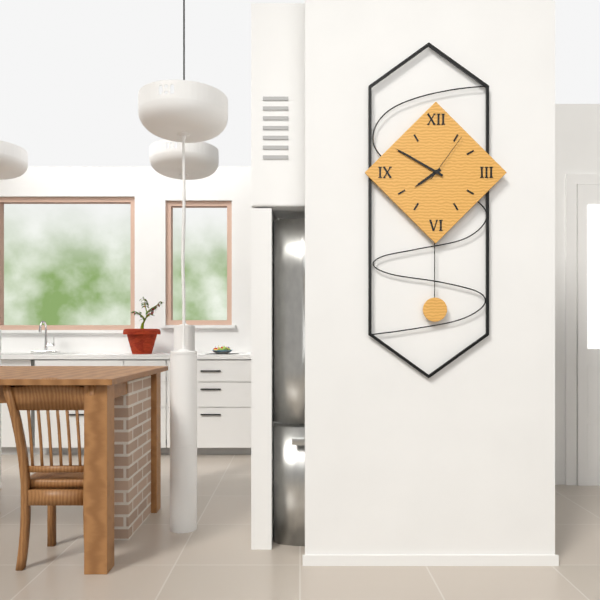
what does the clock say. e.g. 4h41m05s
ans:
7h50m06s
